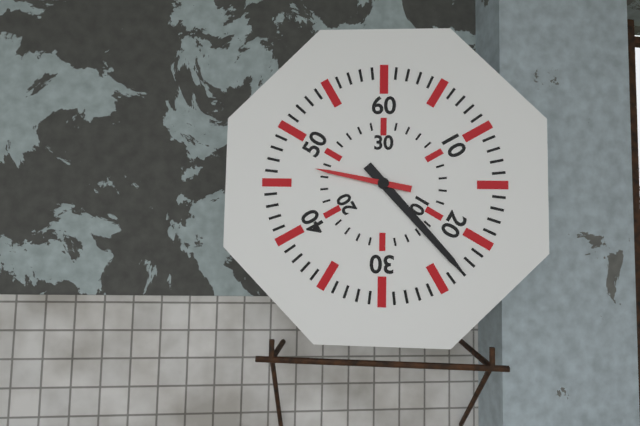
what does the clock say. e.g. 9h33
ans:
9h23
